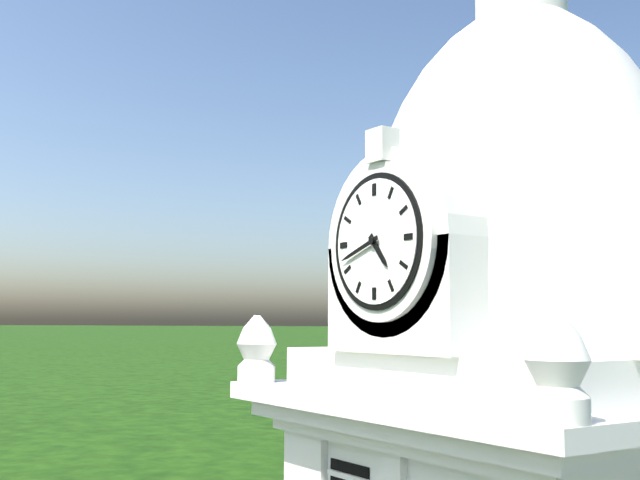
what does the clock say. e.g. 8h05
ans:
4h42
